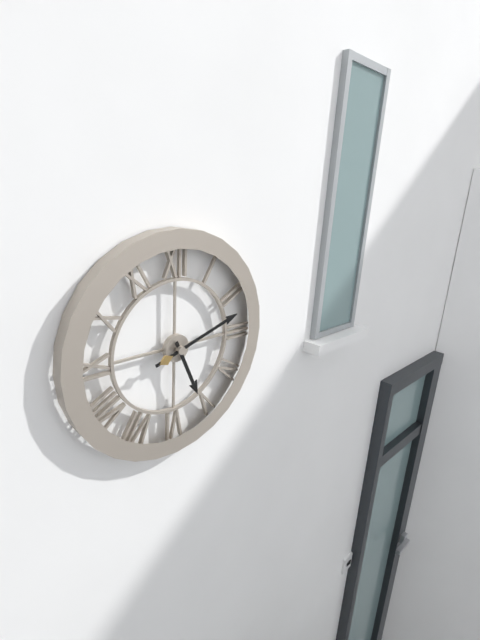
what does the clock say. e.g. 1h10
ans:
5h12
